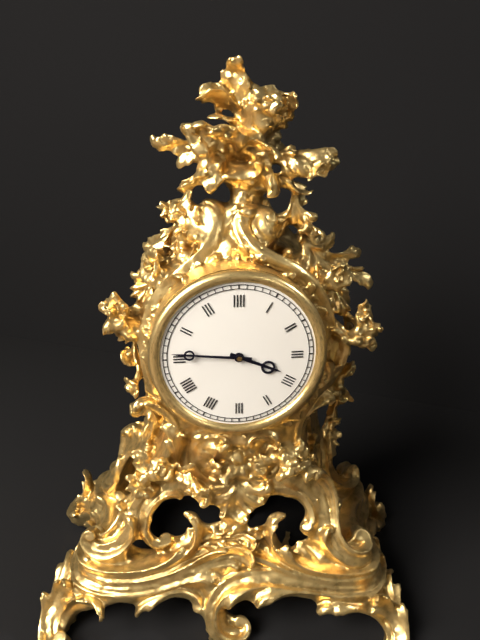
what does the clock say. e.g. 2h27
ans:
3h46
